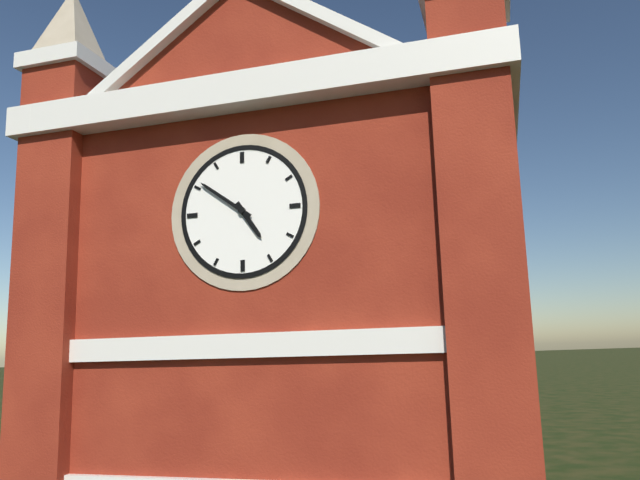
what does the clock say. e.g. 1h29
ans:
4h51
